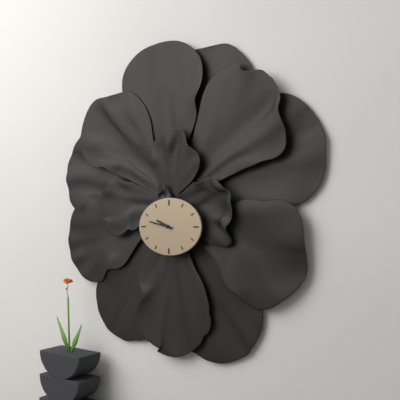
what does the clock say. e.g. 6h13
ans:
9h47
